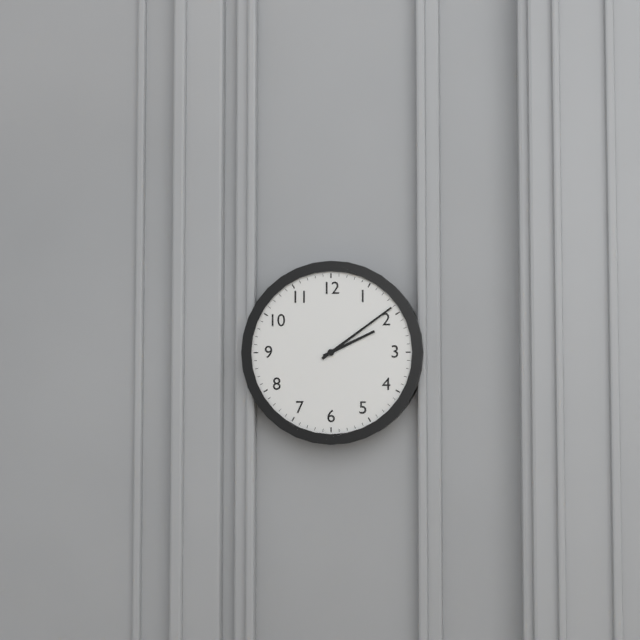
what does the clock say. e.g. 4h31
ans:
2h09
